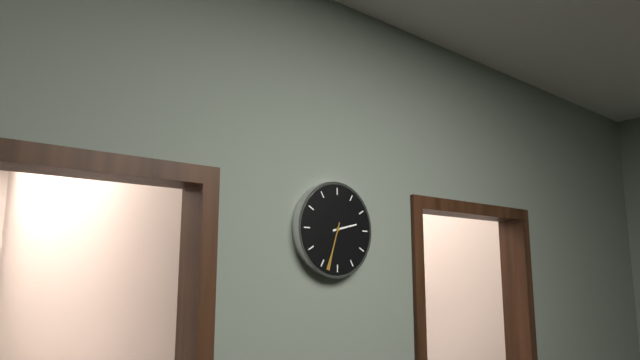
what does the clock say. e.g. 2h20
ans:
2h33
